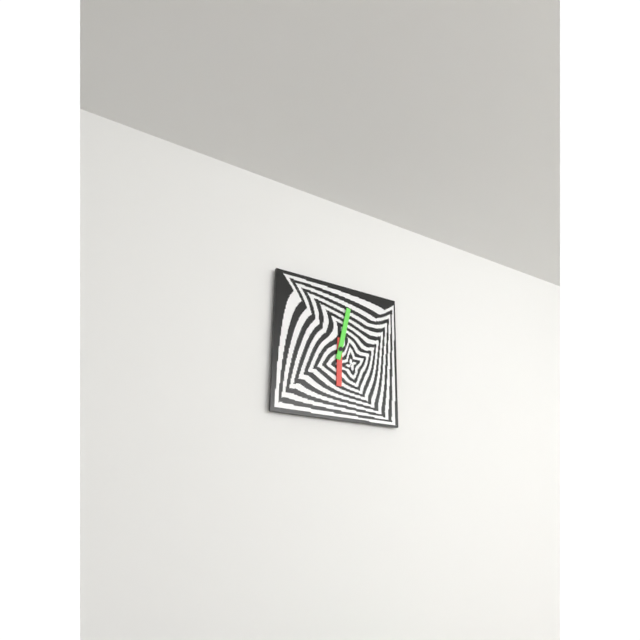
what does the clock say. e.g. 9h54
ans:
6h02
